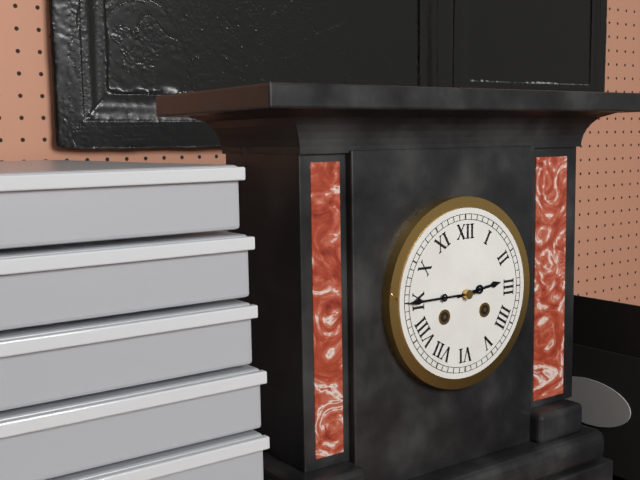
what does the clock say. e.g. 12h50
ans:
2h45
